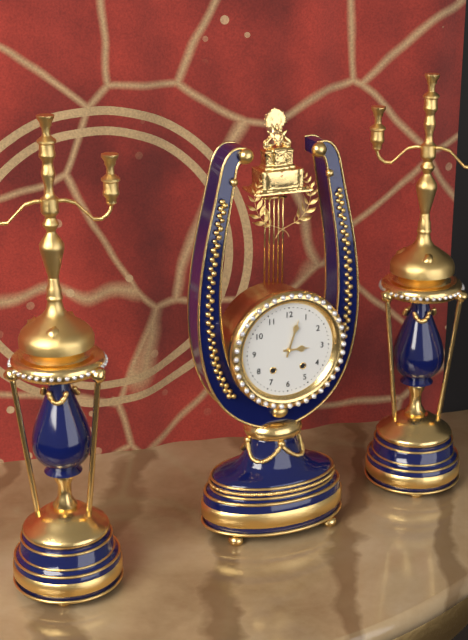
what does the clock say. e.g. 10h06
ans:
3h03
